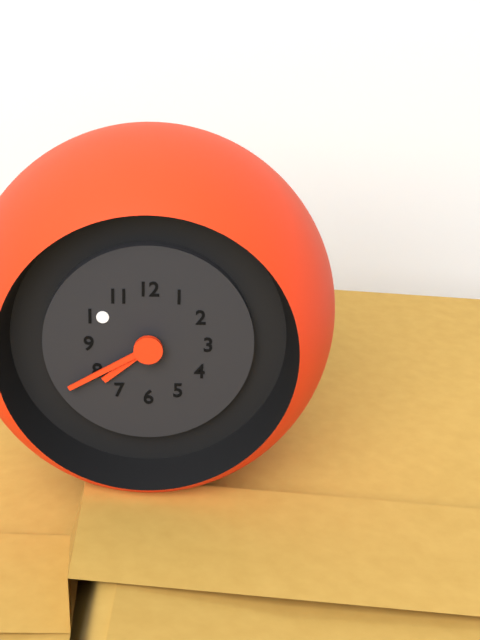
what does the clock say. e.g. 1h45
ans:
7h40
